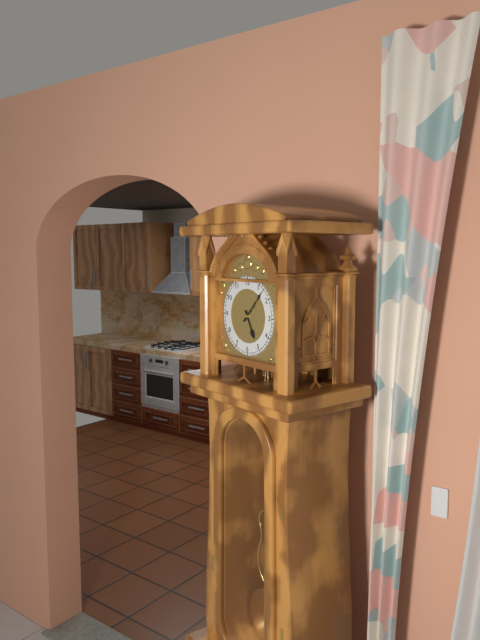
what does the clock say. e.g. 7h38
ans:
5h07
